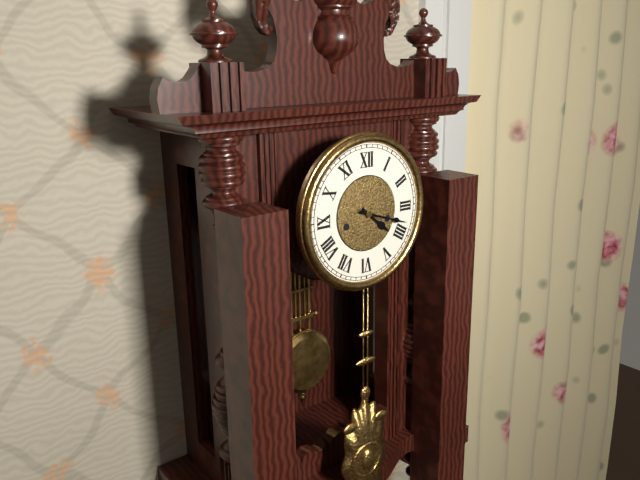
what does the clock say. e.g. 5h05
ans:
4h18
